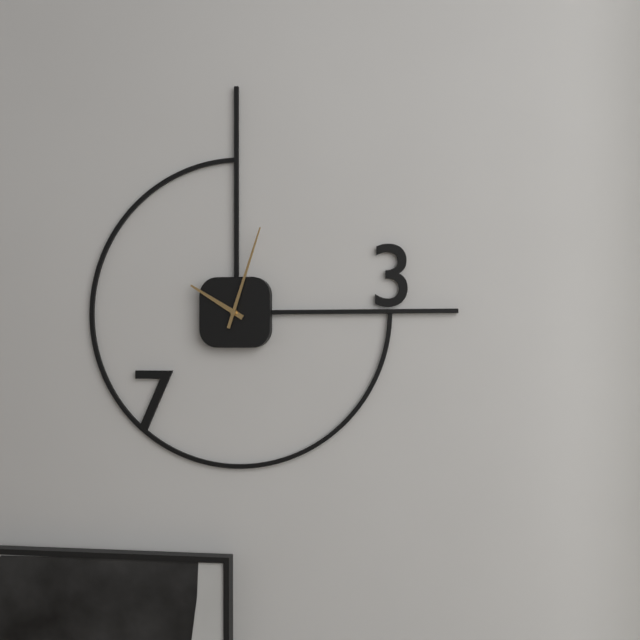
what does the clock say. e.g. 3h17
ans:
10h03
